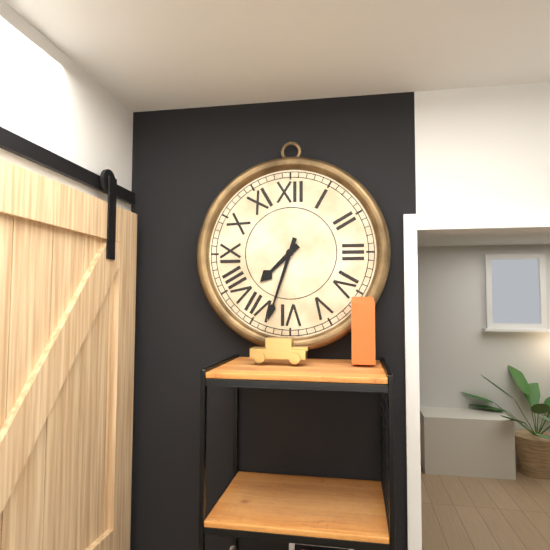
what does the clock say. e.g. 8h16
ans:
7h33
